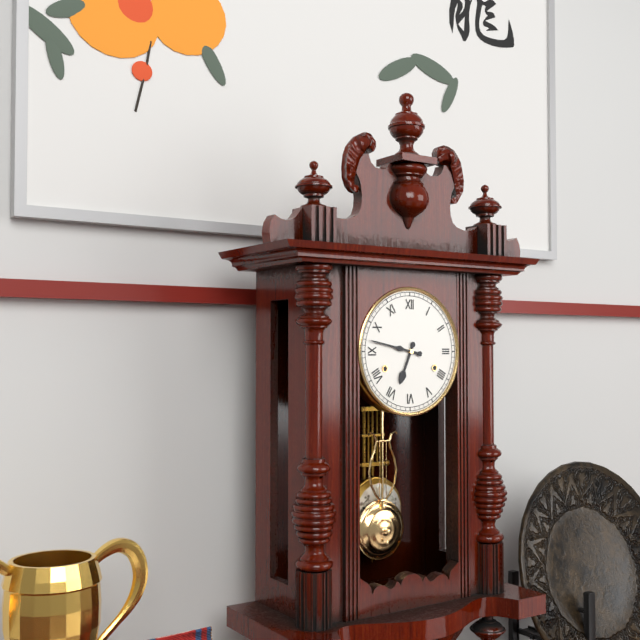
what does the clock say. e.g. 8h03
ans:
6h47
